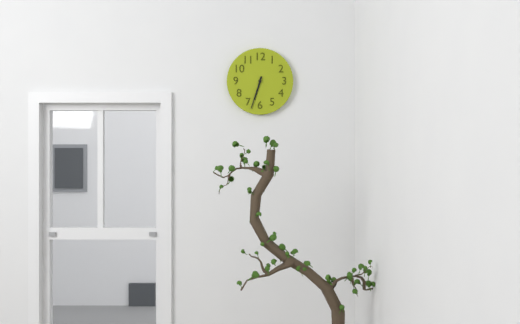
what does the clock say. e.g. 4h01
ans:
6h33
